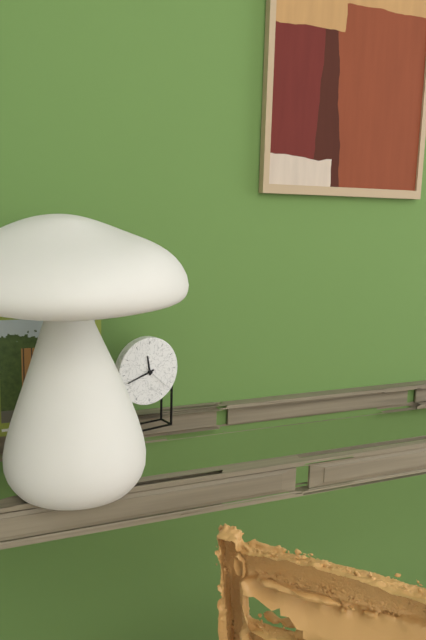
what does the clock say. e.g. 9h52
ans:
11h42
